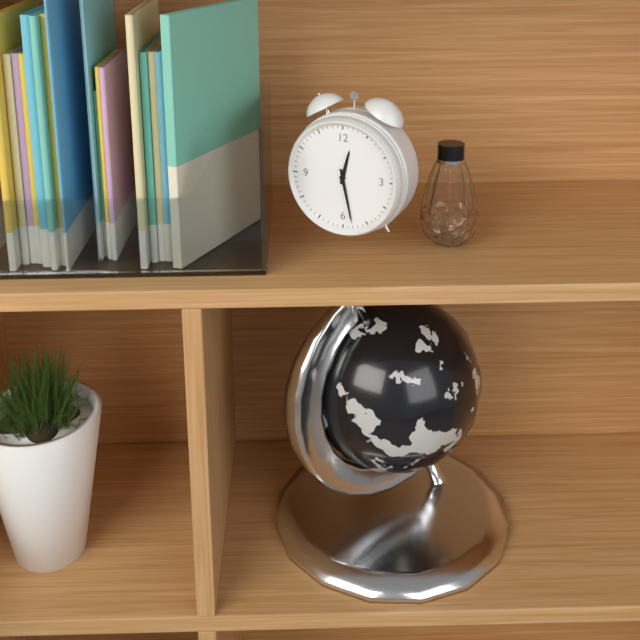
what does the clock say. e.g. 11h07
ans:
12h28
